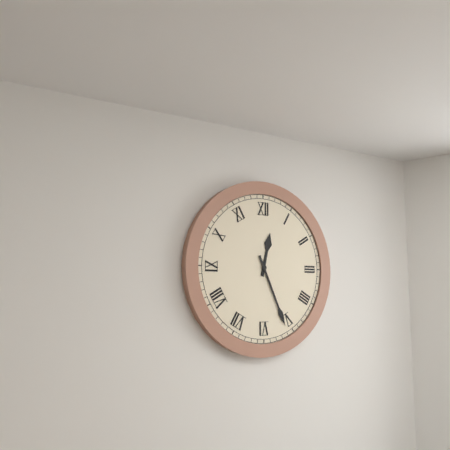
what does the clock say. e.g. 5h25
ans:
12h26
